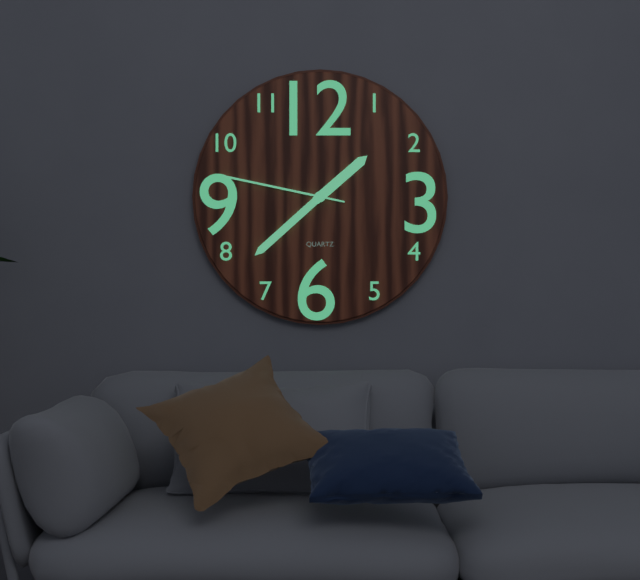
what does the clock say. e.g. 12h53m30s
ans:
1h38m47s
